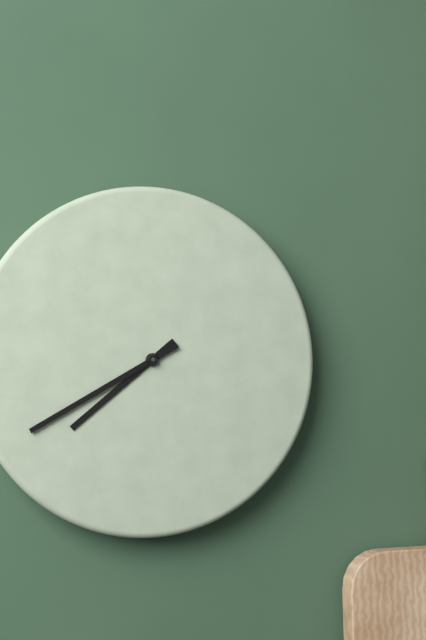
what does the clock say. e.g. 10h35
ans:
7h40
